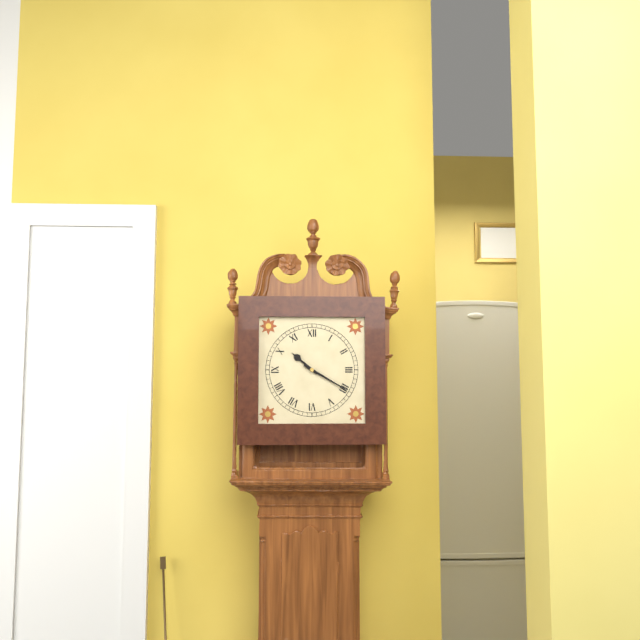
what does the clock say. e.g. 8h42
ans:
10h20
